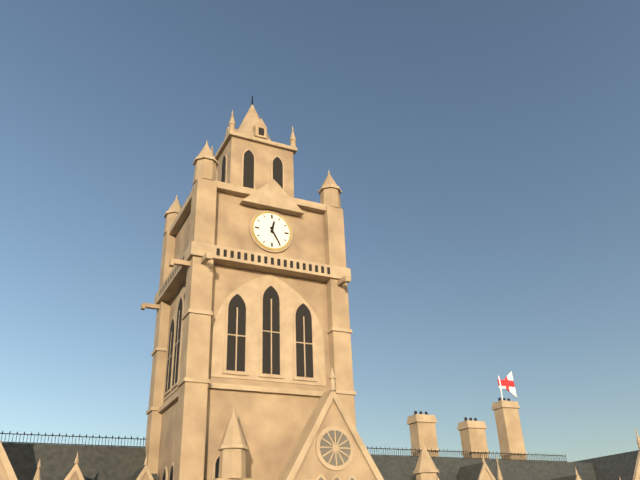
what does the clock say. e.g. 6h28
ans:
12h25
